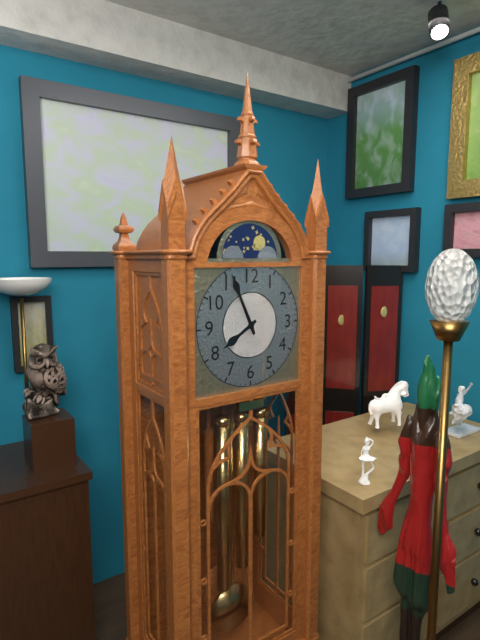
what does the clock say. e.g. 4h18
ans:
7h56
